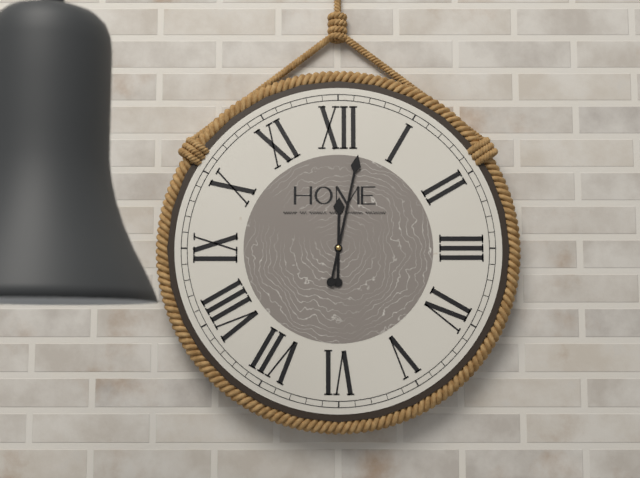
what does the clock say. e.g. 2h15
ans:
12h02
